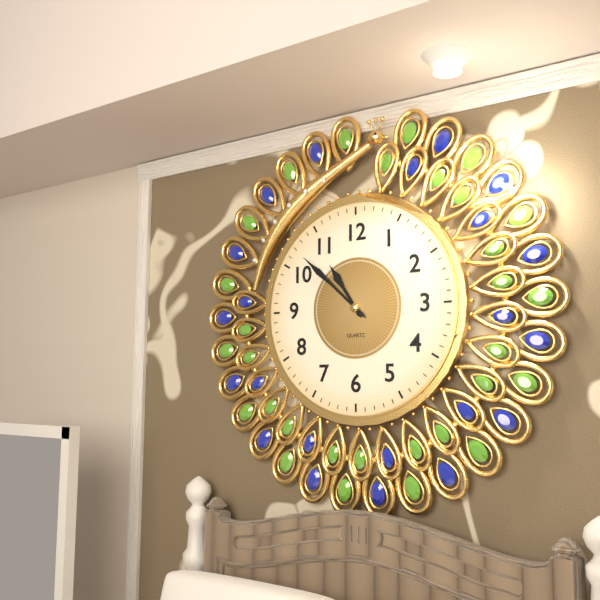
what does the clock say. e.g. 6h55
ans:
10h52
